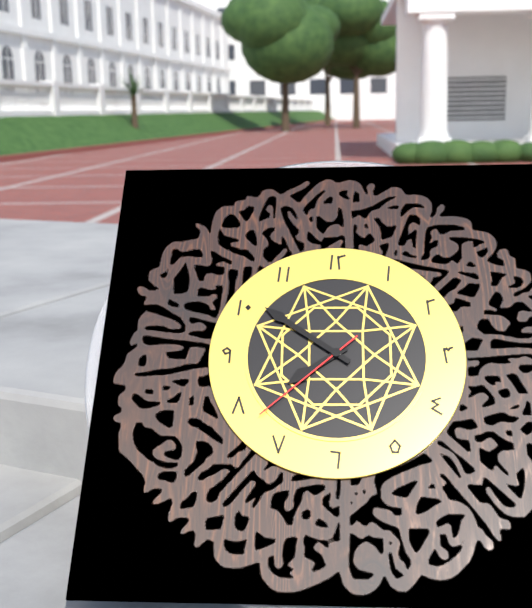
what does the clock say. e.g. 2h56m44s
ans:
7h51m38s
